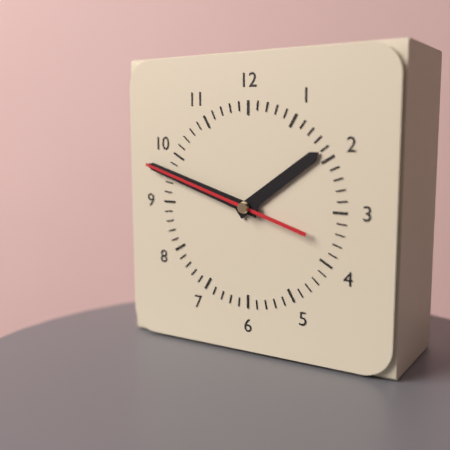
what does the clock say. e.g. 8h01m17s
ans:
1h48m48s
